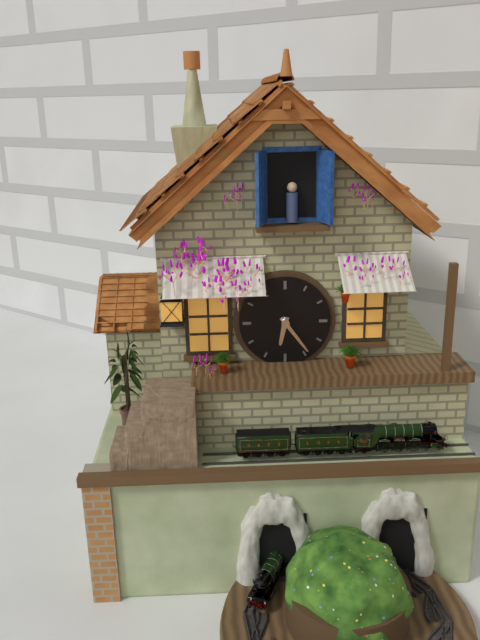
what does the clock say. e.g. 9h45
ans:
6h24
